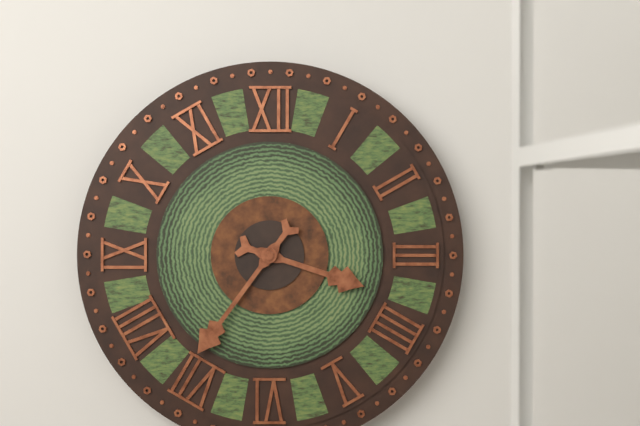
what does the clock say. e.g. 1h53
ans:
3h36
